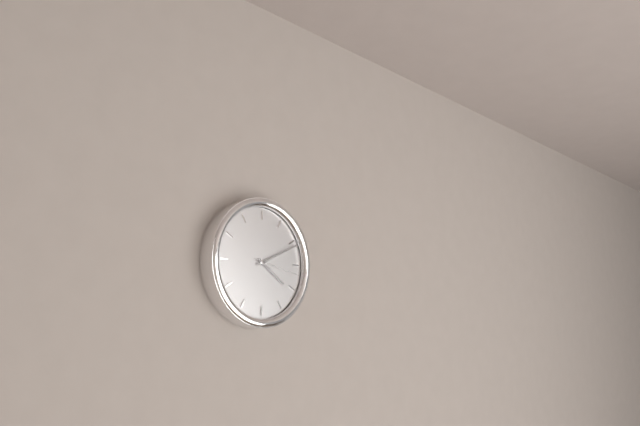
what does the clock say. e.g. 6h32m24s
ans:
4h11m17s
